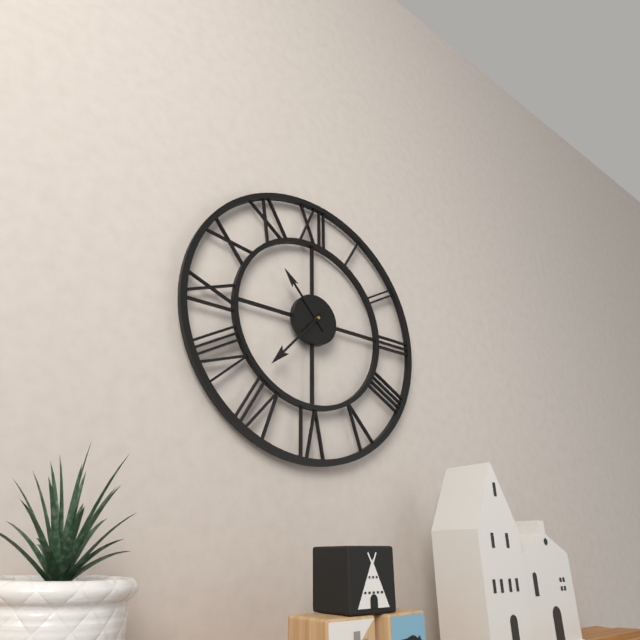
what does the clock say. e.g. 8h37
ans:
10h37
